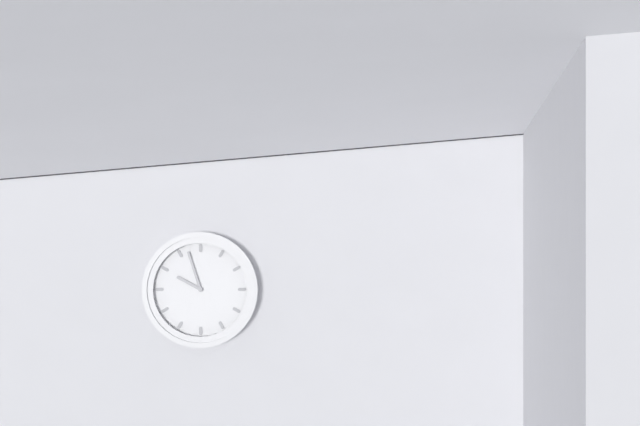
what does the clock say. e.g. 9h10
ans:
9h57
